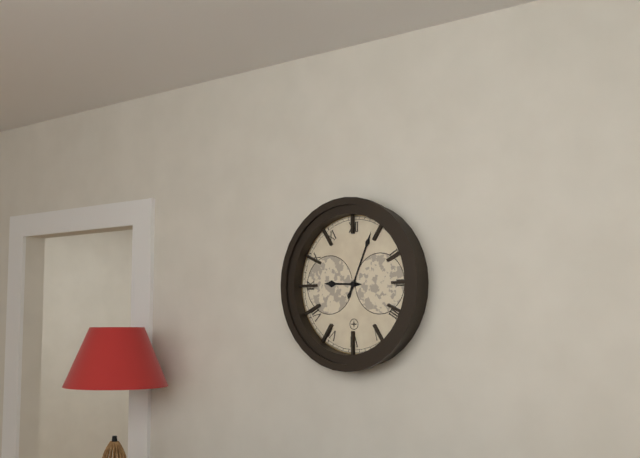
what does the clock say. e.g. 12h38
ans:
9h04
